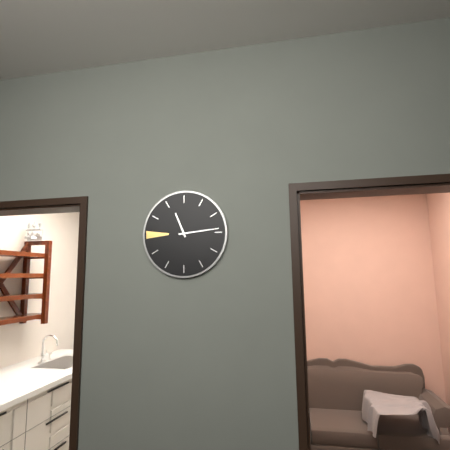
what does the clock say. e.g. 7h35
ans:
11h14
